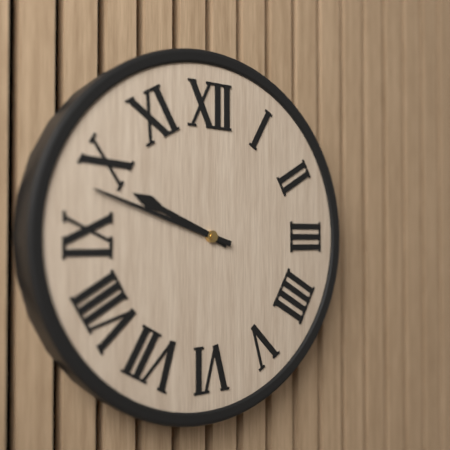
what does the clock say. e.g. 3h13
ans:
9h48
